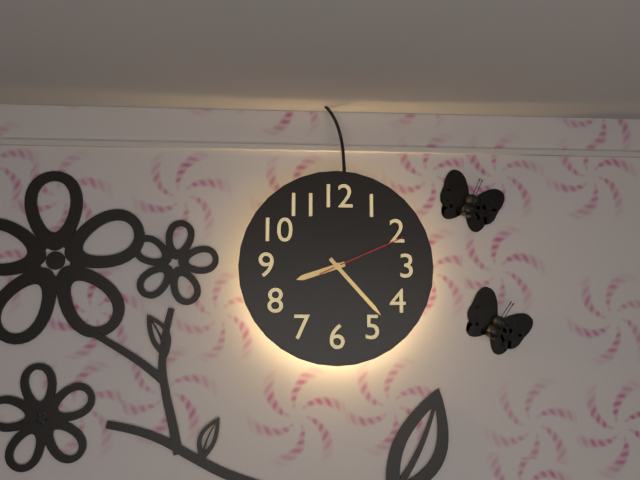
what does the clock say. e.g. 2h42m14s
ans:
8h23m11s
